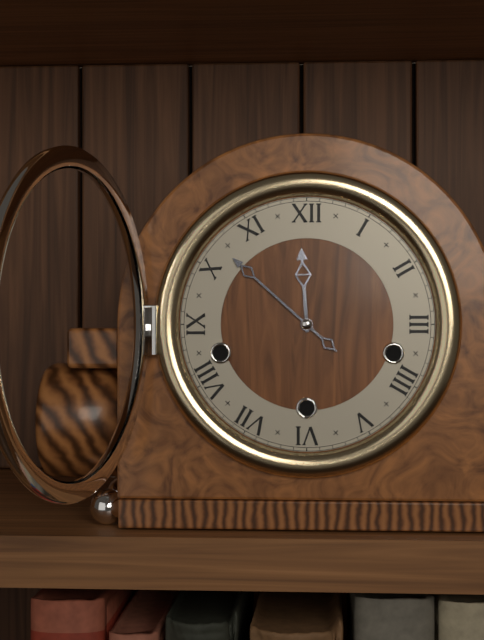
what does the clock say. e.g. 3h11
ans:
11h52
